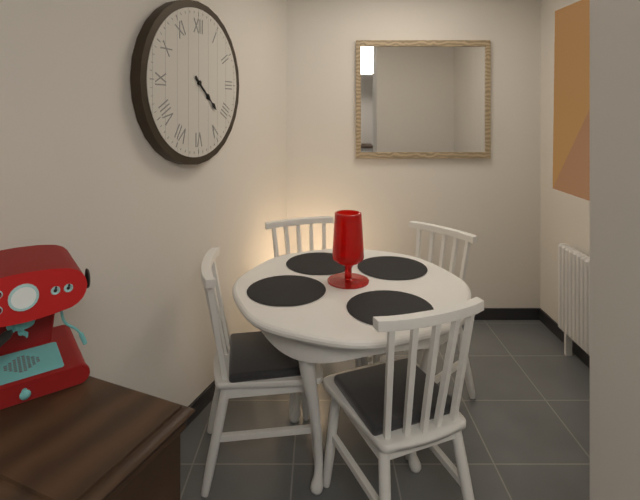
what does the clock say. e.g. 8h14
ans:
4h22
